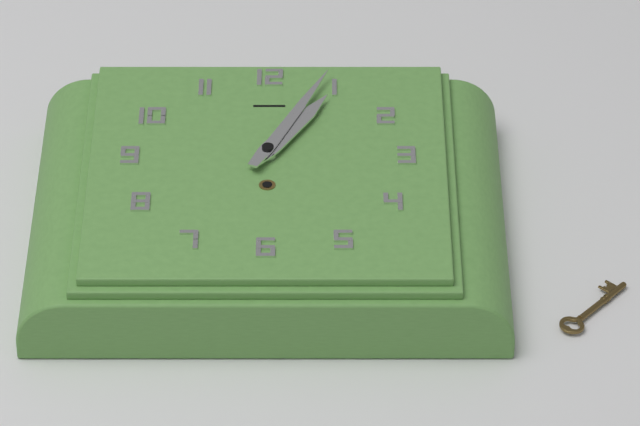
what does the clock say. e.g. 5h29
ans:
1h04
